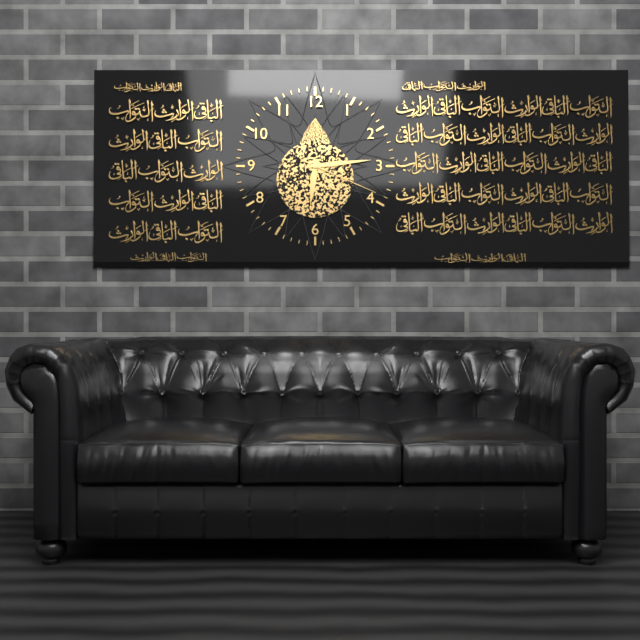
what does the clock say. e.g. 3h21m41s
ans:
6h14m19s
